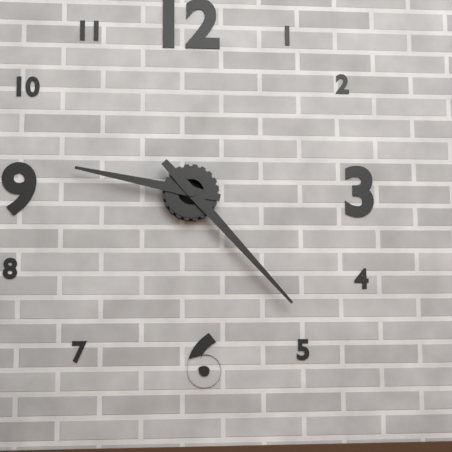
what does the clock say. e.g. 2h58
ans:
9h23
